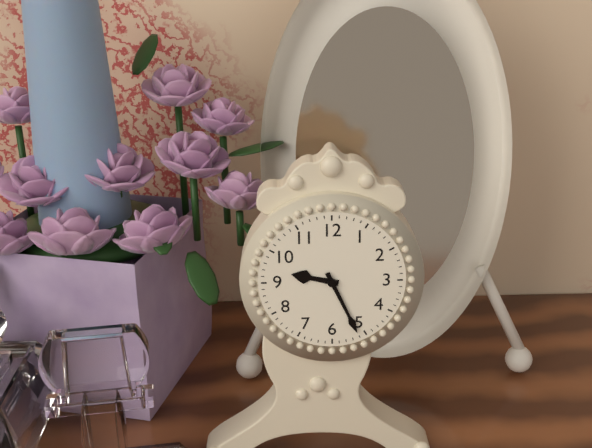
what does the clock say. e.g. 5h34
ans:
9h26
